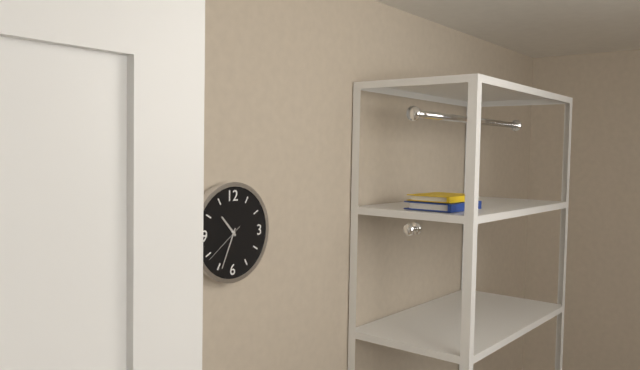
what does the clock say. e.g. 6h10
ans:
10h34
